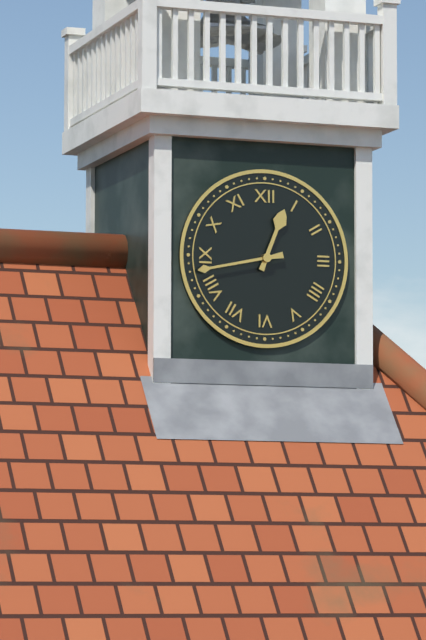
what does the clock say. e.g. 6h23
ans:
12h43
